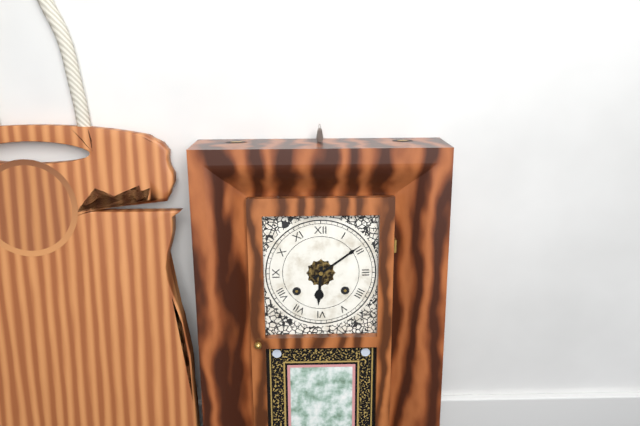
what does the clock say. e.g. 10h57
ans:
6h09
